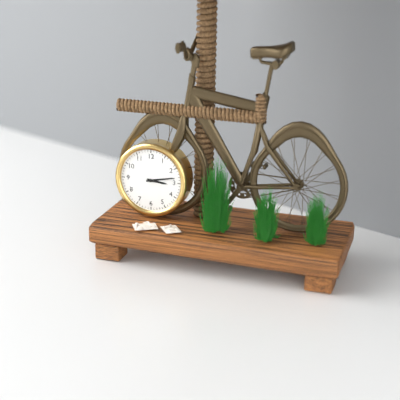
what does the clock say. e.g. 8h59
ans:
3h13
